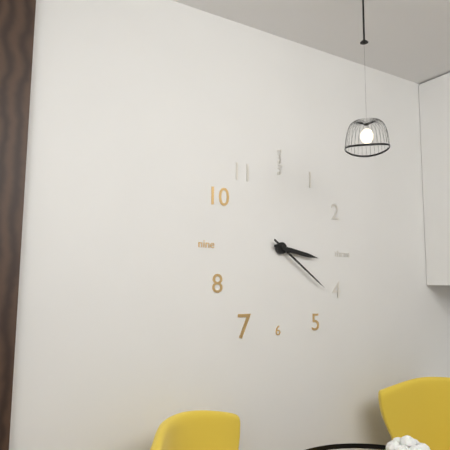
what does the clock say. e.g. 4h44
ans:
3h21
